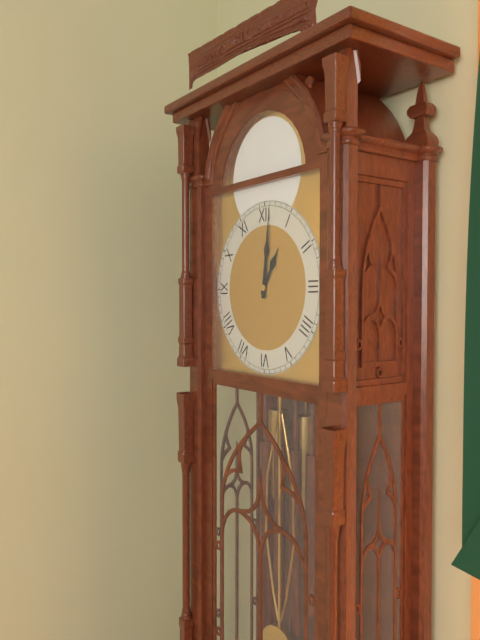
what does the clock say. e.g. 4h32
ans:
1h01
